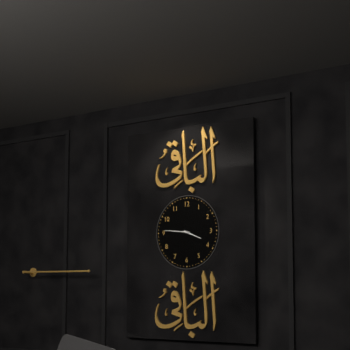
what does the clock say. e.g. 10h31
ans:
3h46
